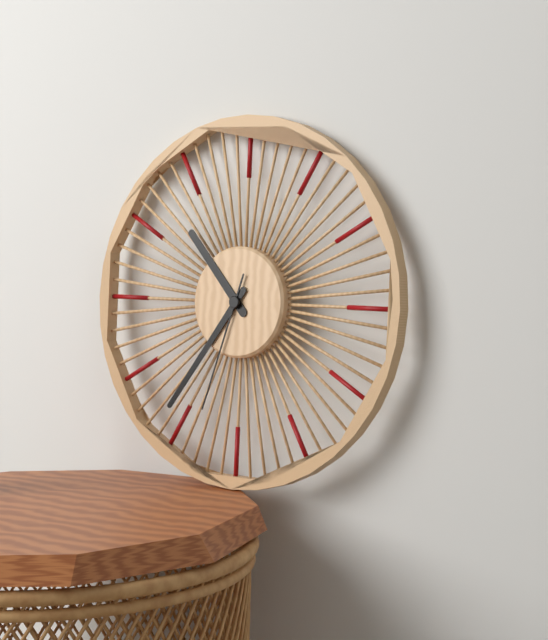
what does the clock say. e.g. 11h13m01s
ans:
10h36m33s
